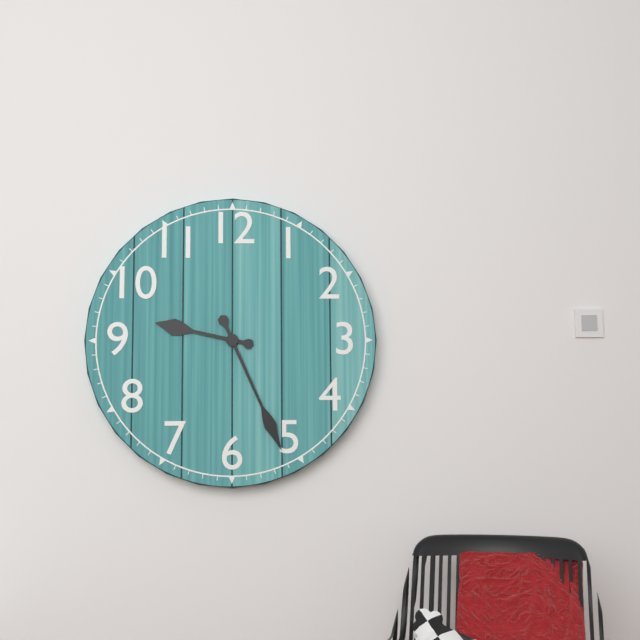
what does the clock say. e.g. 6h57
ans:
9h26
